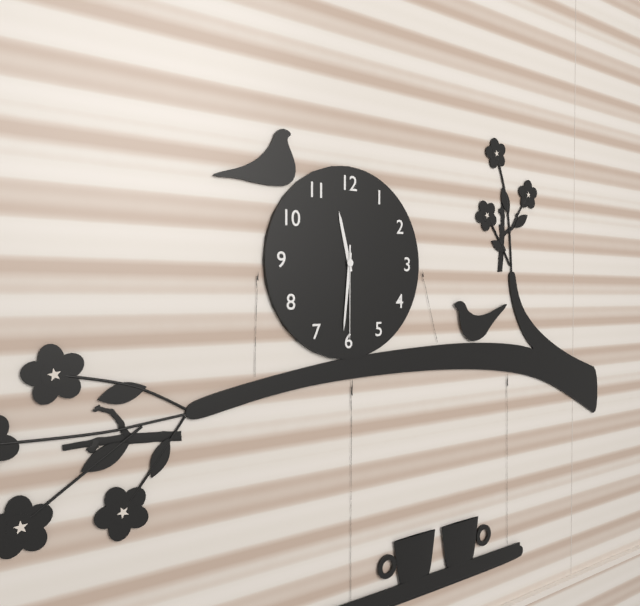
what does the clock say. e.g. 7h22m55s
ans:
11h31m30s
